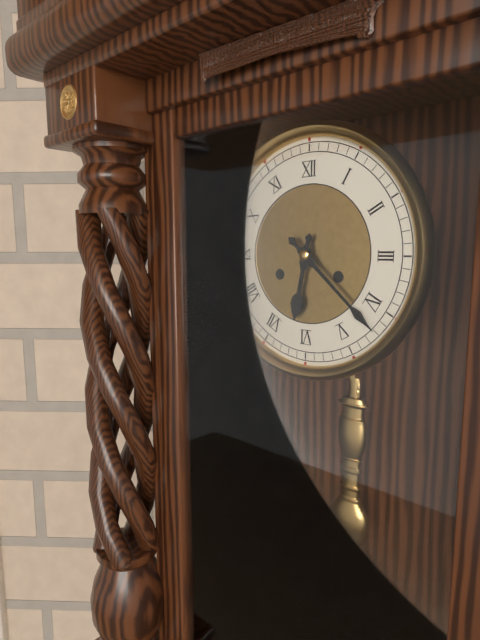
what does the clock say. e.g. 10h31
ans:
6h22
